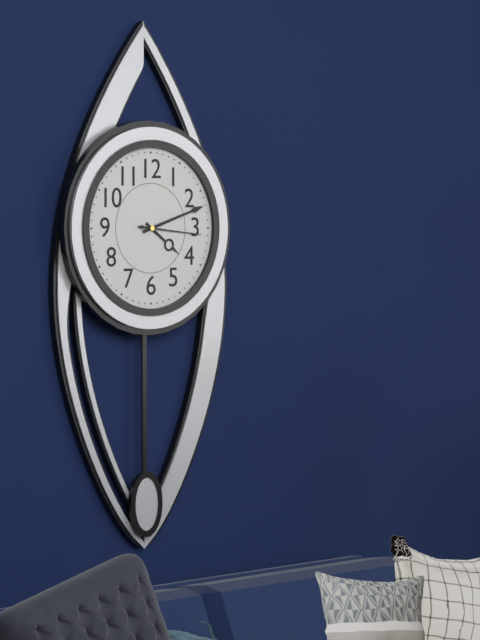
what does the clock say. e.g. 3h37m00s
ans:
4h12m16s
